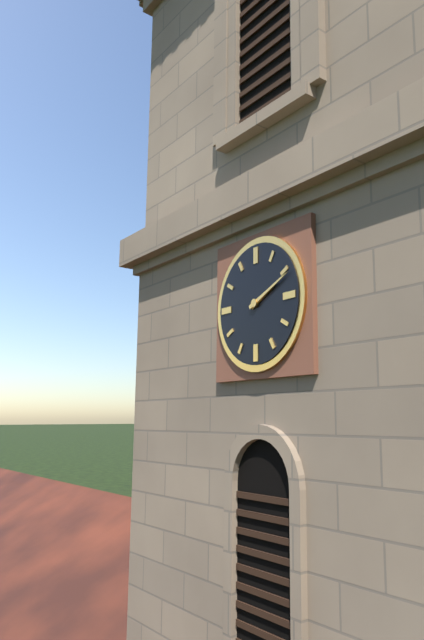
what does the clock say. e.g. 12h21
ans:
2h11
